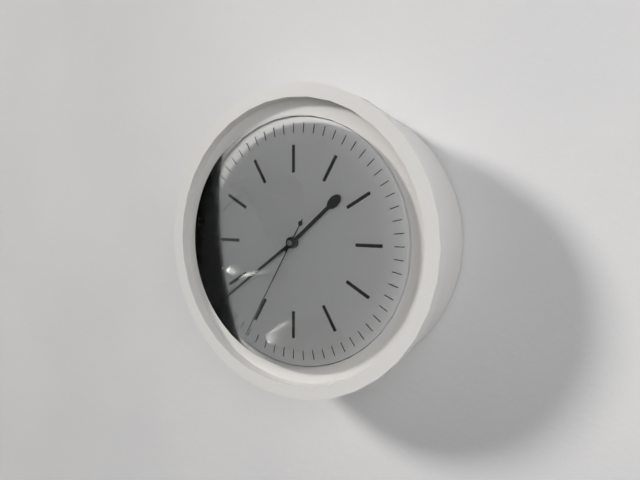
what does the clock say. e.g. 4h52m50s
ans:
1h39m35s
